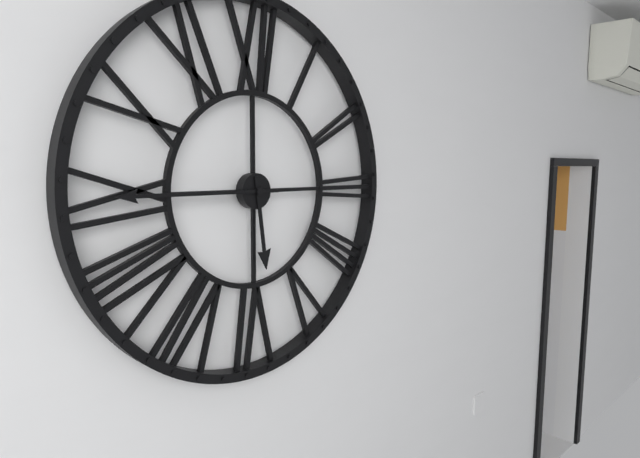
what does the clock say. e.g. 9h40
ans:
5h45
